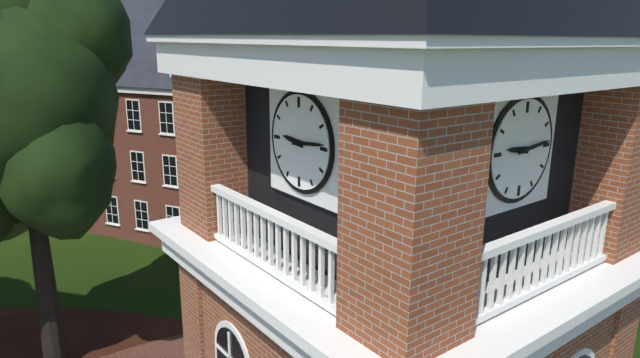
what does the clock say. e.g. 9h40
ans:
9h14
